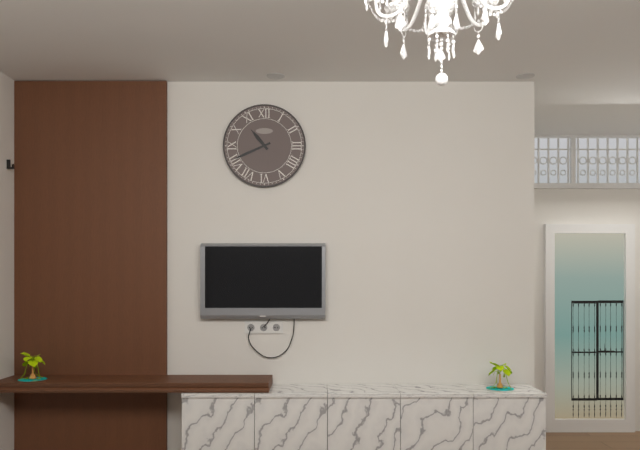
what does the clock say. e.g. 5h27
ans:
10h41
